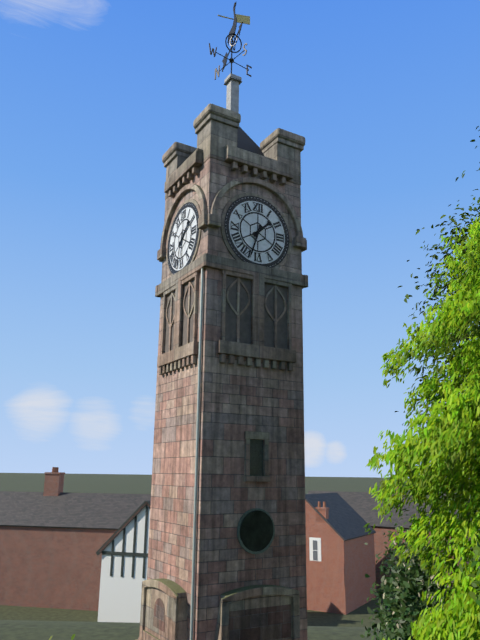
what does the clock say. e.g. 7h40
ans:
1h33
